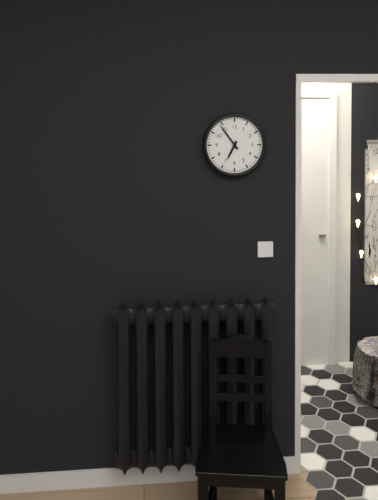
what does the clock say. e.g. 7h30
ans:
6h54
